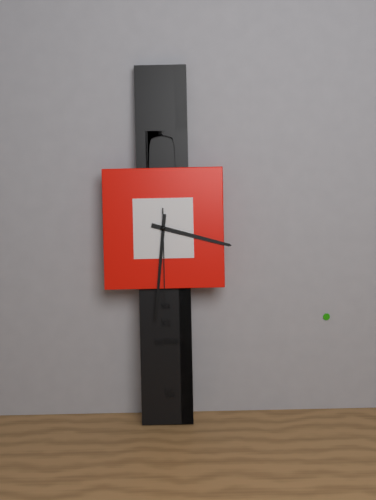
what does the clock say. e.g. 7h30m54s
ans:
3h31m30s
